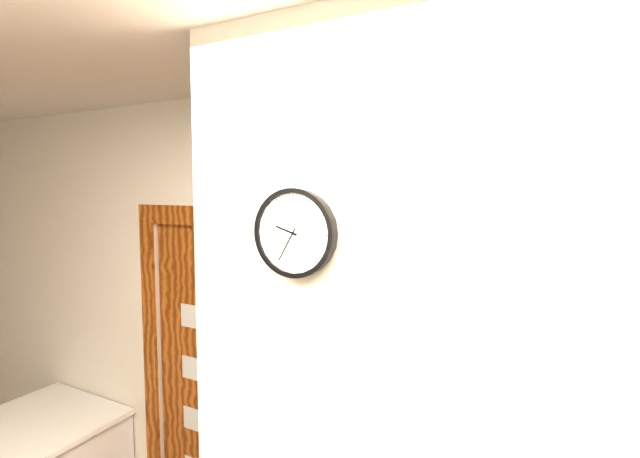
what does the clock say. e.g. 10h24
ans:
9h35
